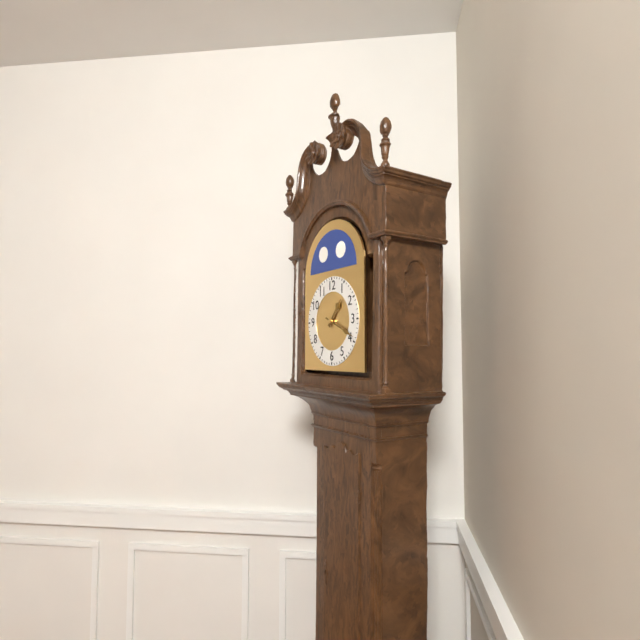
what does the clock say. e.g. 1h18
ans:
1h19
